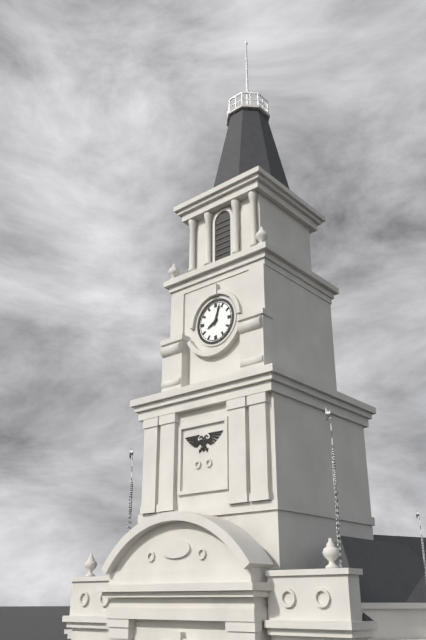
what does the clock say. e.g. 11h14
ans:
8h03
